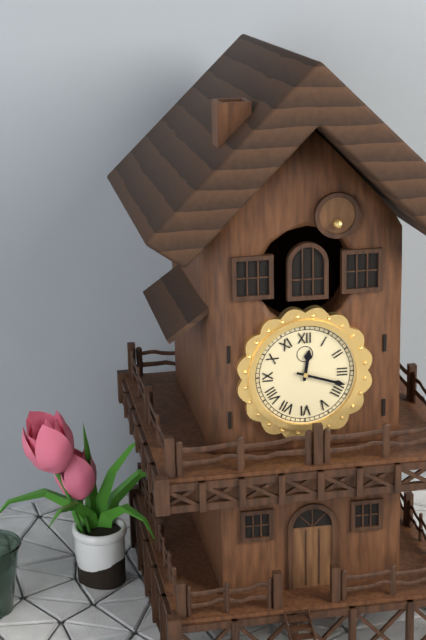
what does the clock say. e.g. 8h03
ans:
12h18
